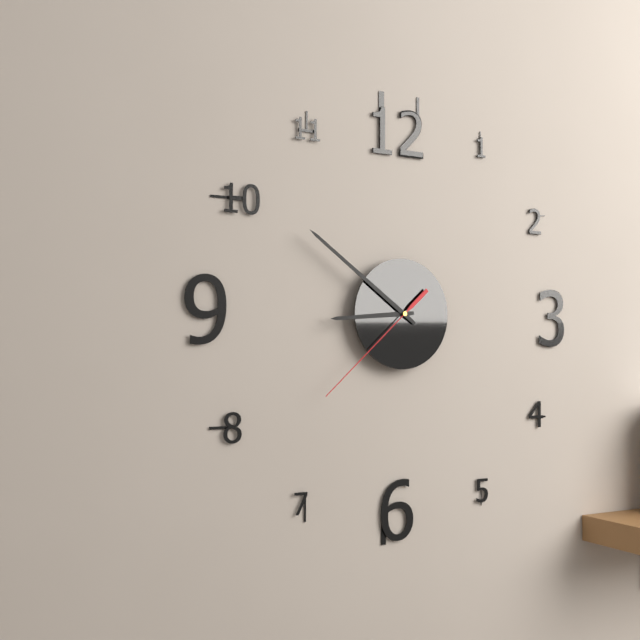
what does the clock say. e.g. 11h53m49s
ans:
8h51m38s
